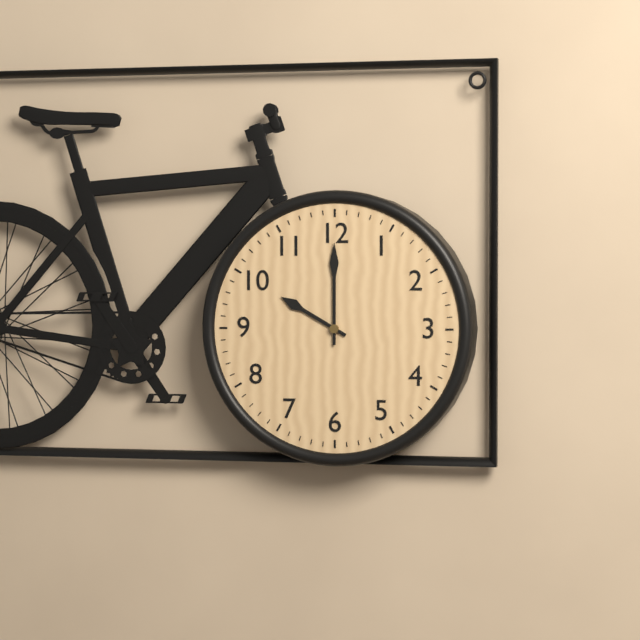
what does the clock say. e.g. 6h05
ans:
10h00
